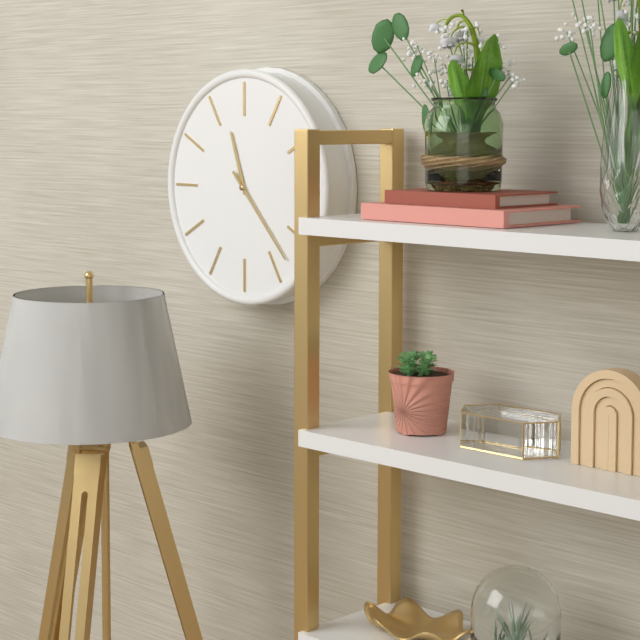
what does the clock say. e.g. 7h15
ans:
11h23
